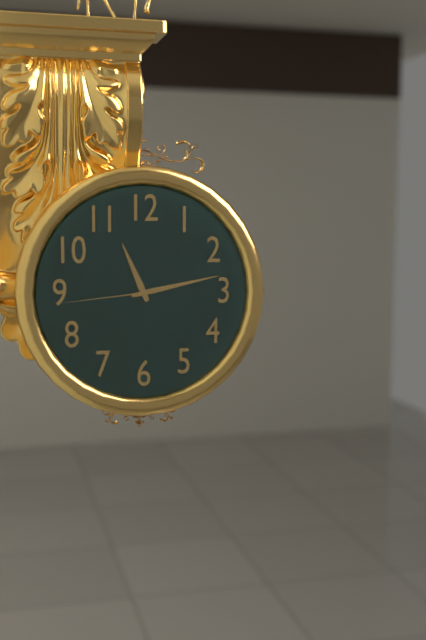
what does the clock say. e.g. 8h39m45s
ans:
11h13m44s
